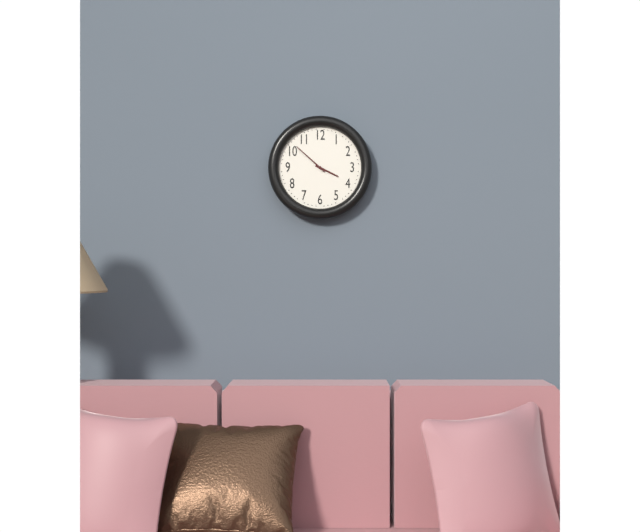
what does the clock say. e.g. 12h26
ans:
3h52
